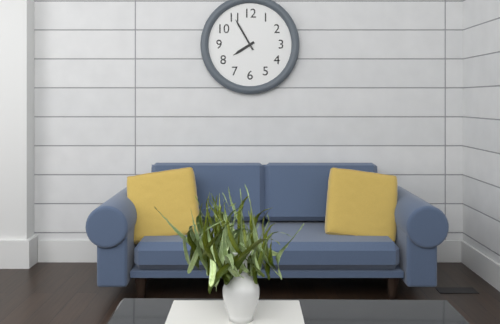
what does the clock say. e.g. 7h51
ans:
7h55
